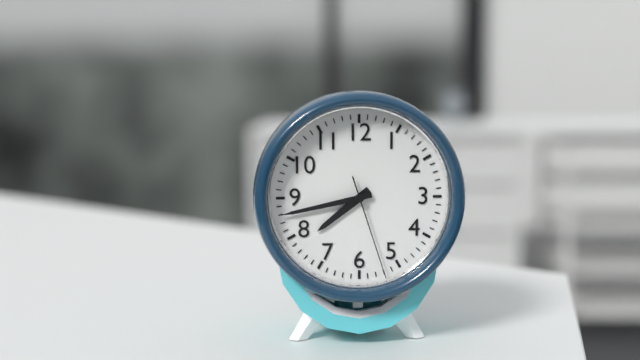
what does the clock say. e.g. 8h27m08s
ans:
7h43m27s
